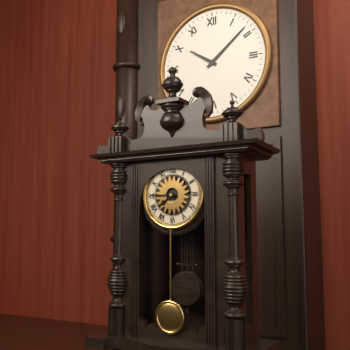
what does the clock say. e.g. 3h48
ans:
7h45
